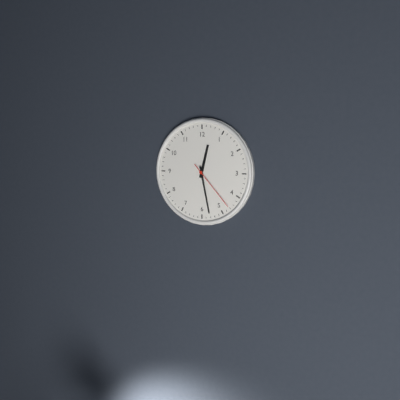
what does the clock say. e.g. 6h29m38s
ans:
12h28m23s
